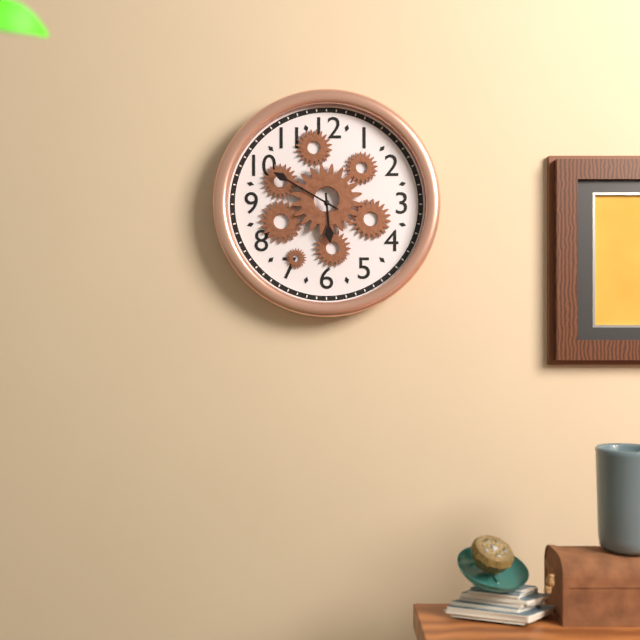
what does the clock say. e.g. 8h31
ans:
5h50
